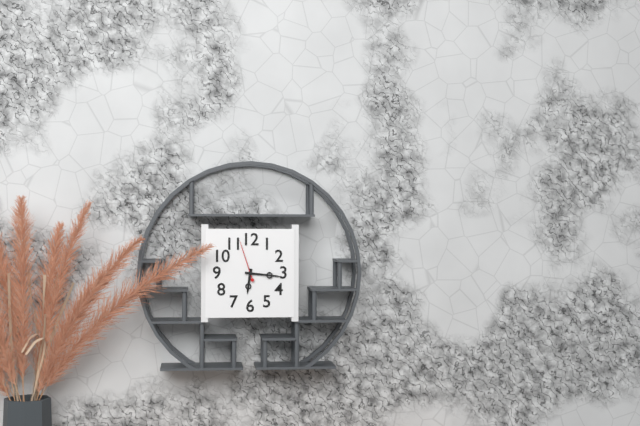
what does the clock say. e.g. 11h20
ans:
6h16
